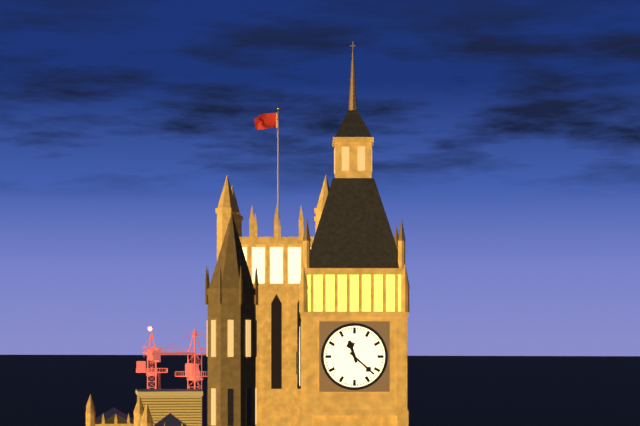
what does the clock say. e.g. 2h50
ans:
11h22
